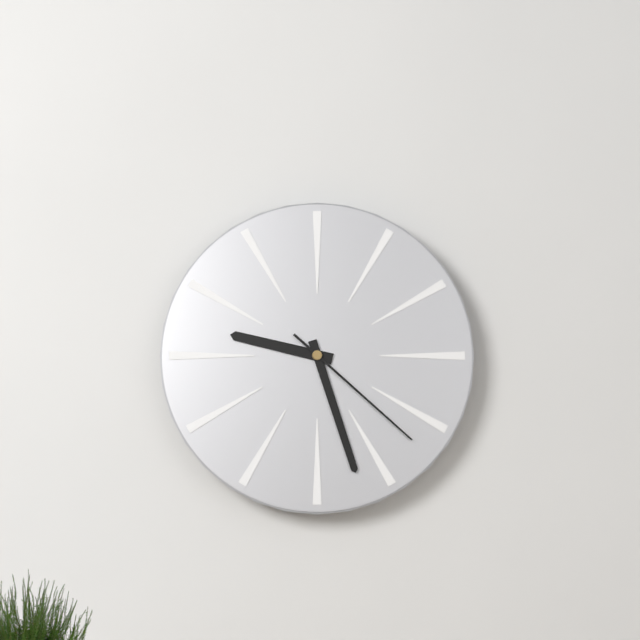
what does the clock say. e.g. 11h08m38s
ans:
9h27m22s
